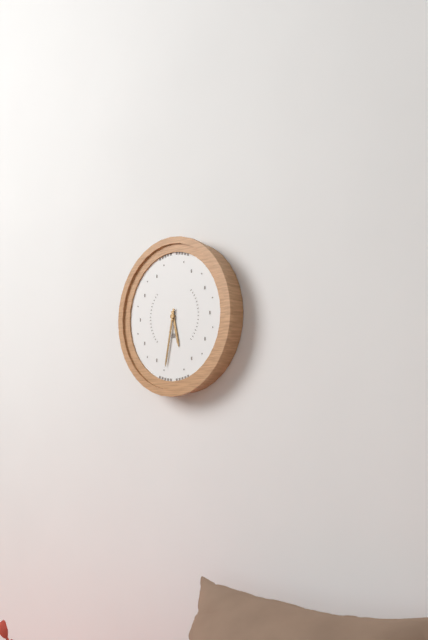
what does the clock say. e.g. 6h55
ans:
5h32
